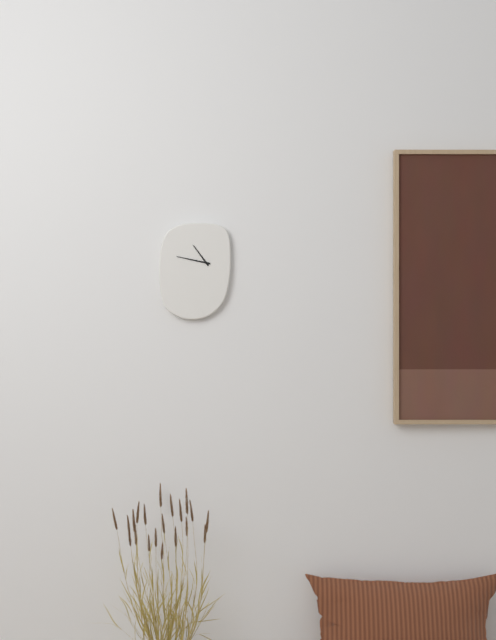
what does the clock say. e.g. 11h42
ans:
10h47
